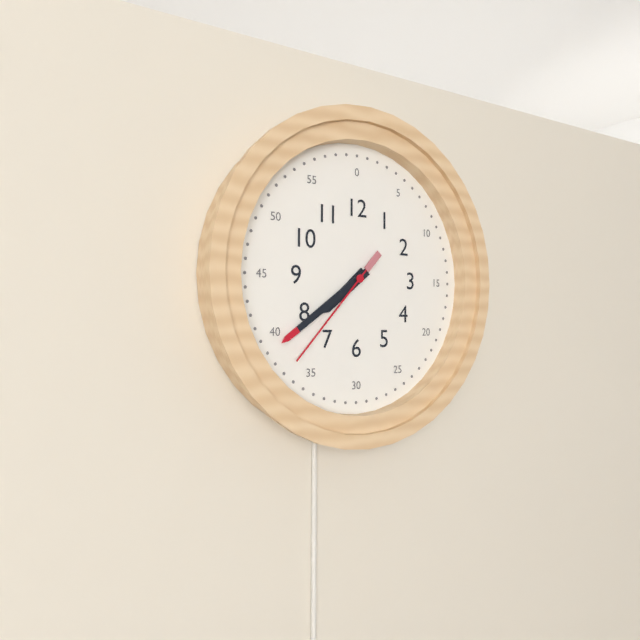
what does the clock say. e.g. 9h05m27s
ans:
7h39m37s
